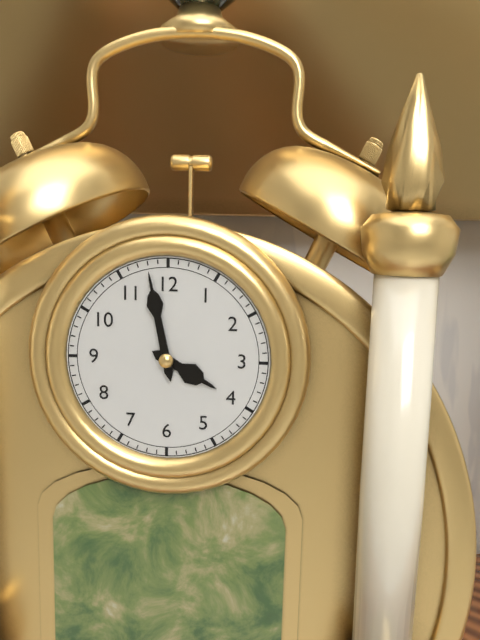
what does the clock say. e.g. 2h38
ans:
3h58
